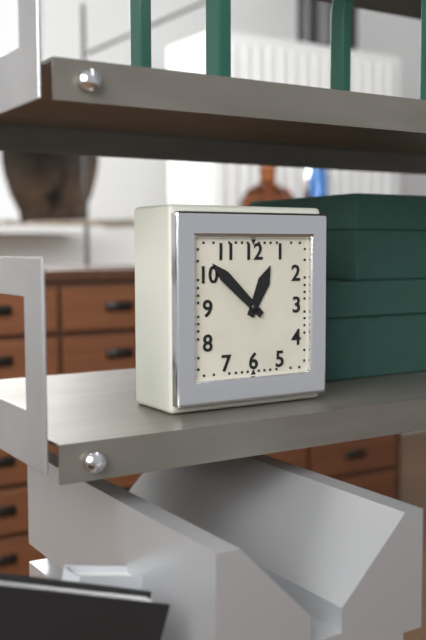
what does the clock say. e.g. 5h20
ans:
12h52
